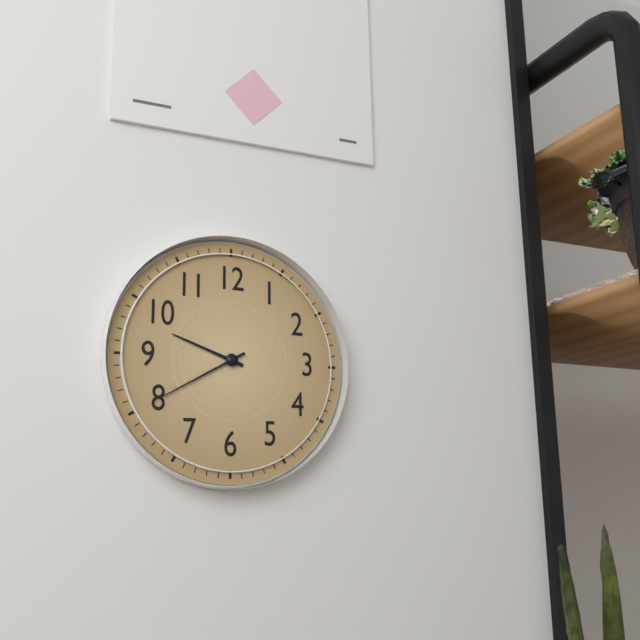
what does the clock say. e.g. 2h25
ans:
9h40
